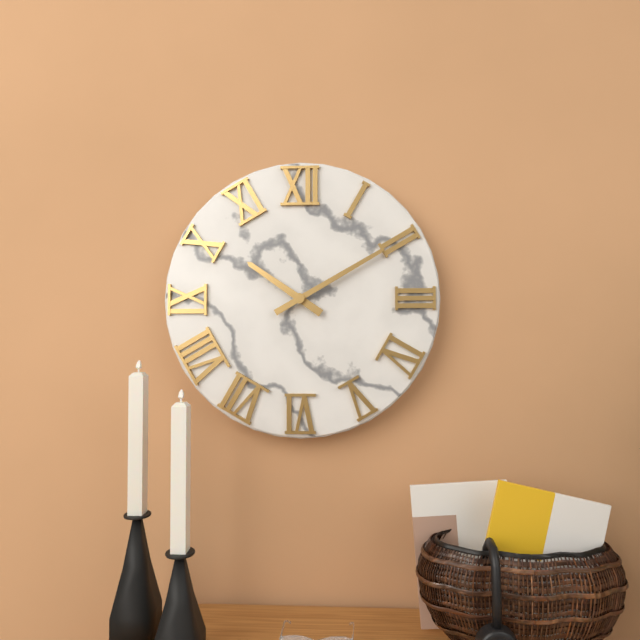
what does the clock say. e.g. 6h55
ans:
10h10
